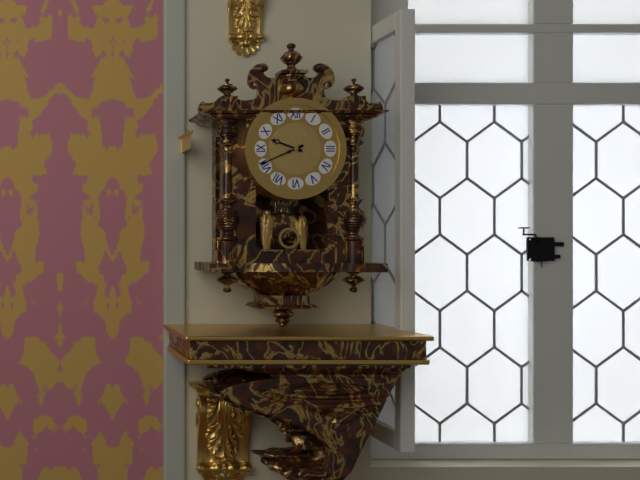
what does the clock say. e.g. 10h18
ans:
9h41
